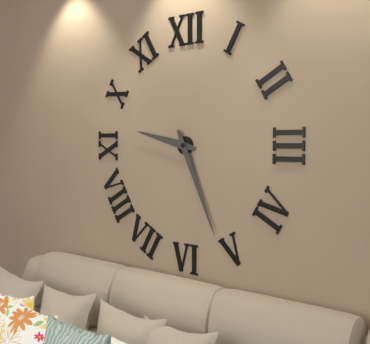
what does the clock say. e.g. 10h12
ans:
9h26
